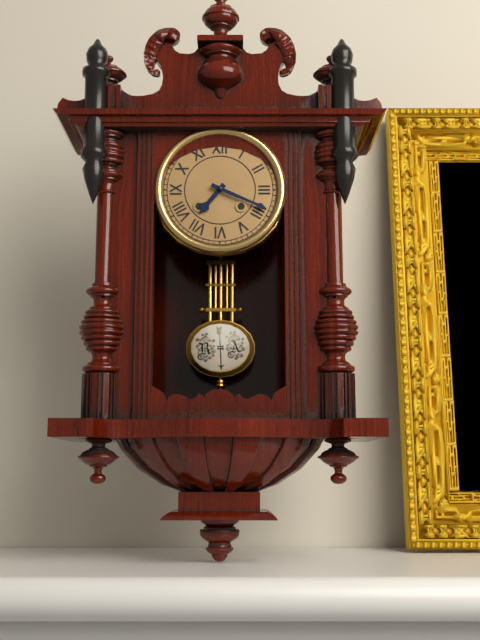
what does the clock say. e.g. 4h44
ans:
7h19
